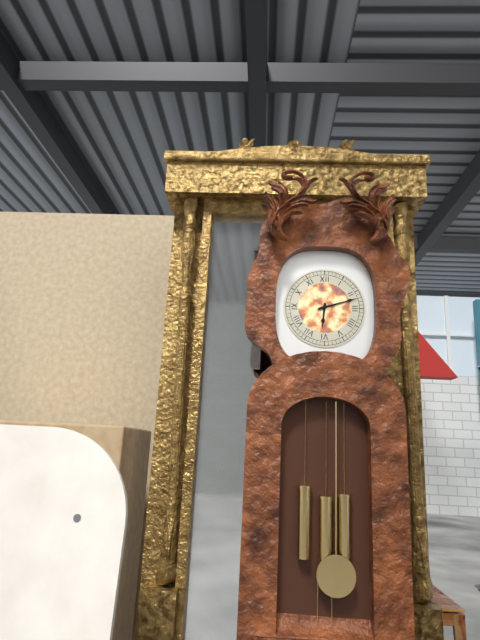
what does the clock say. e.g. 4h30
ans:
6h12
